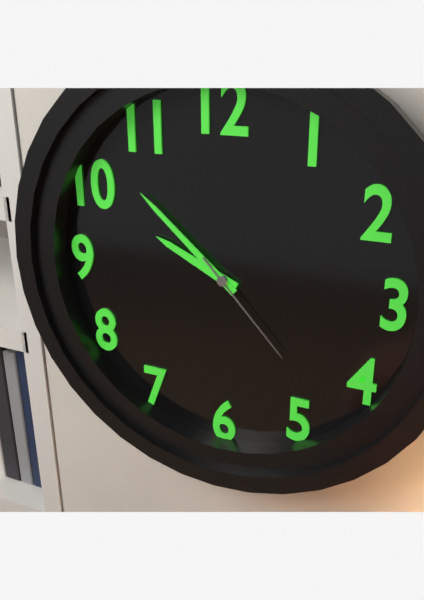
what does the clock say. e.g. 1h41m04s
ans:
9h52m23s
